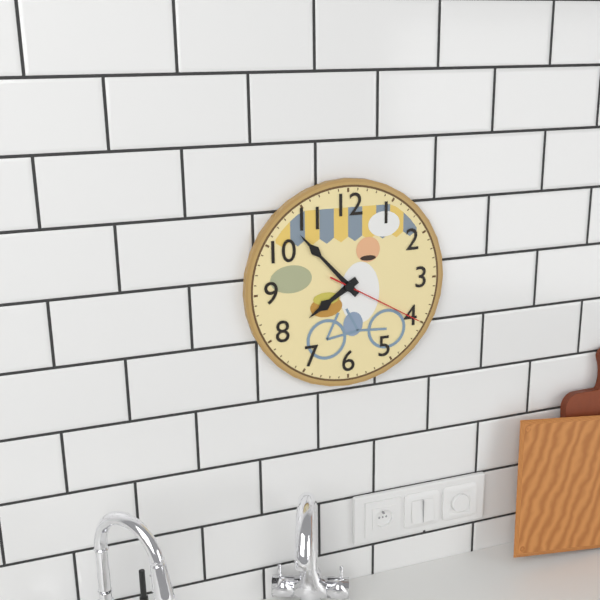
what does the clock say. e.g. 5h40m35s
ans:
7h53m20s
